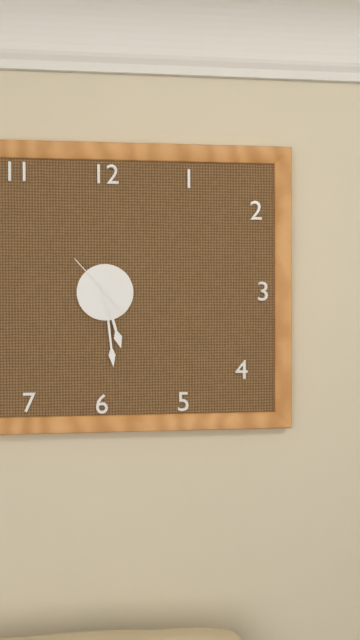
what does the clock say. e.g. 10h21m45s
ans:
5h29m53s
